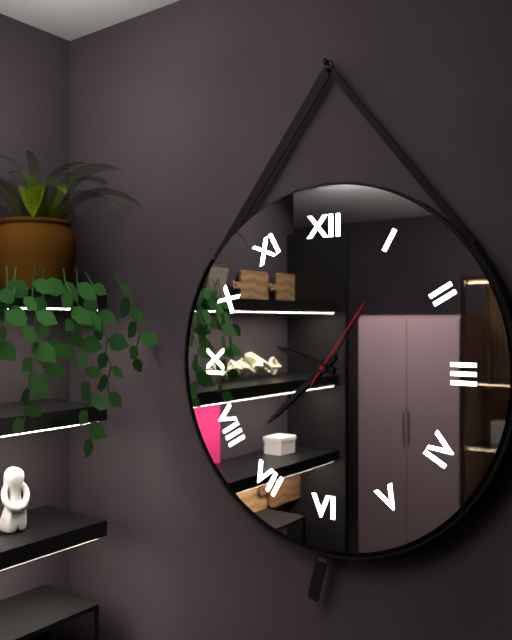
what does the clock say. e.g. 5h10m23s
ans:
9h38m06s
